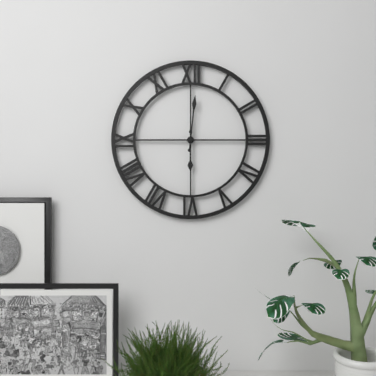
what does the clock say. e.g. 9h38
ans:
6h01
